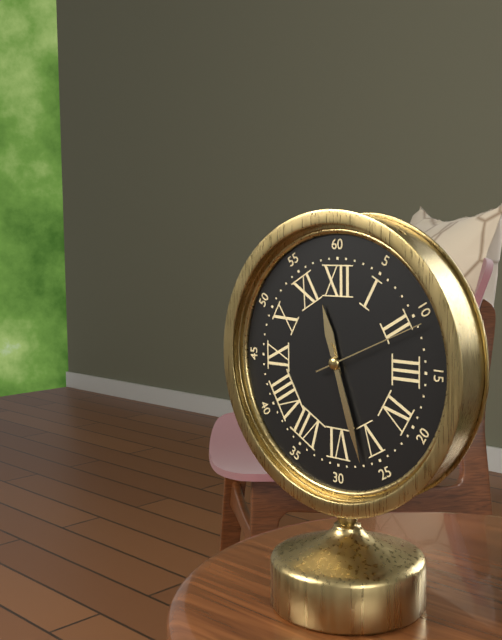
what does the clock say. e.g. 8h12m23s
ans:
11h27m11s
